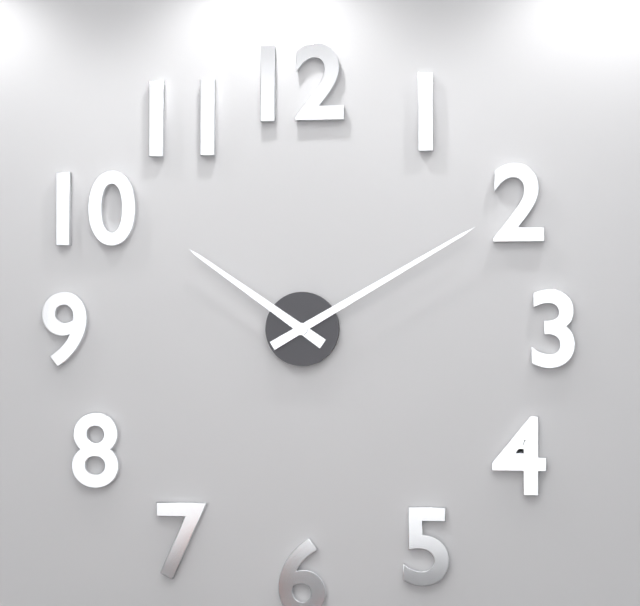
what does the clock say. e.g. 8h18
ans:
10h10
